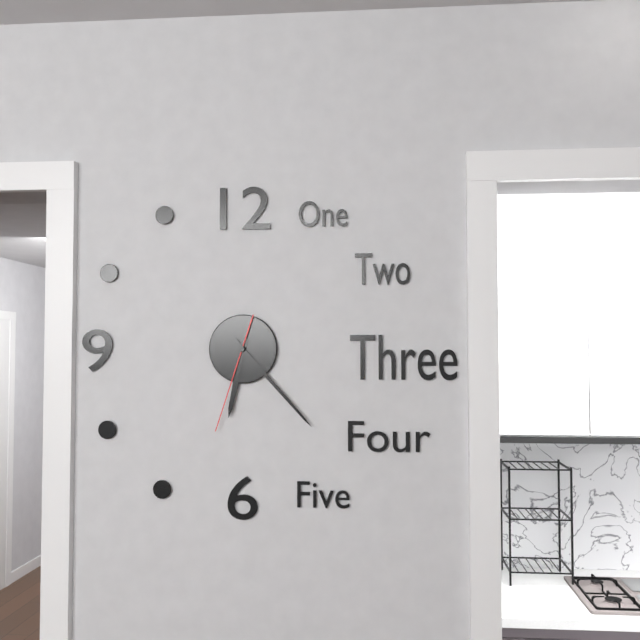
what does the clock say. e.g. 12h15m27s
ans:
6h23m33s
